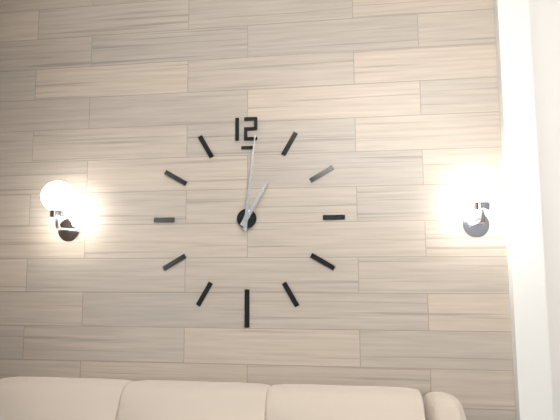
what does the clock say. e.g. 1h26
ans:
1h01
